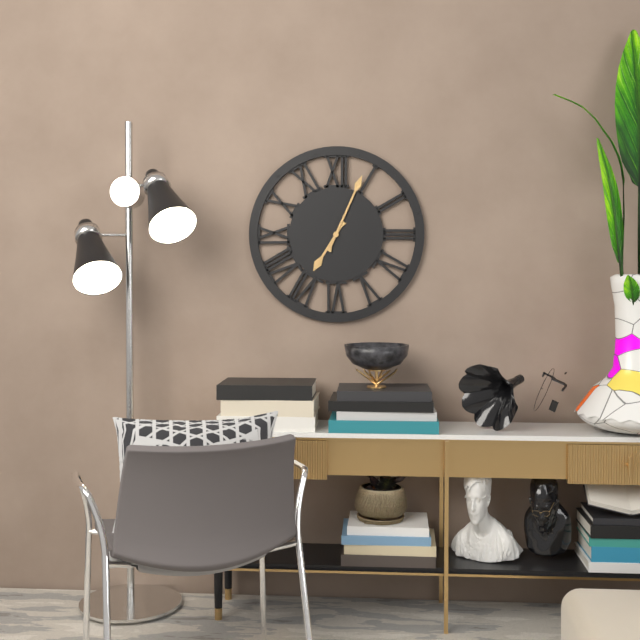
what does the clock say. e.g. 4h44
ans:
7h04
